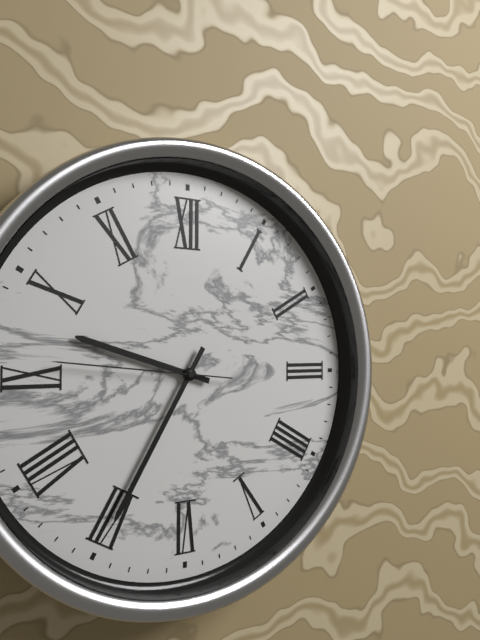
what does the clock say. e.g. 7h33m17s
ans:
9h35m46s
